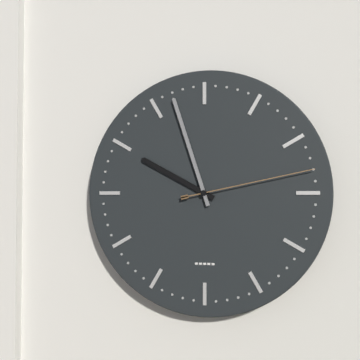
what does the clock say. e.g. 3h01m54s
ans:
9h57m13s
